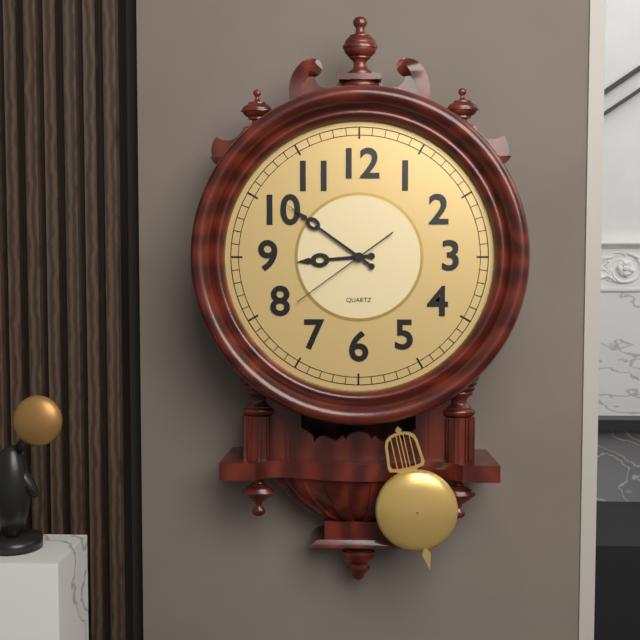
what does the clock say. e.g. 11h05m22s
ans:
8h51m39s
